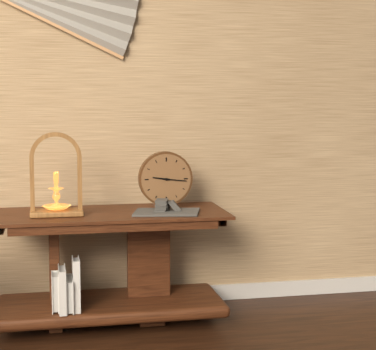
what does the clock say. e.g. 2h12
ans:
9h16
